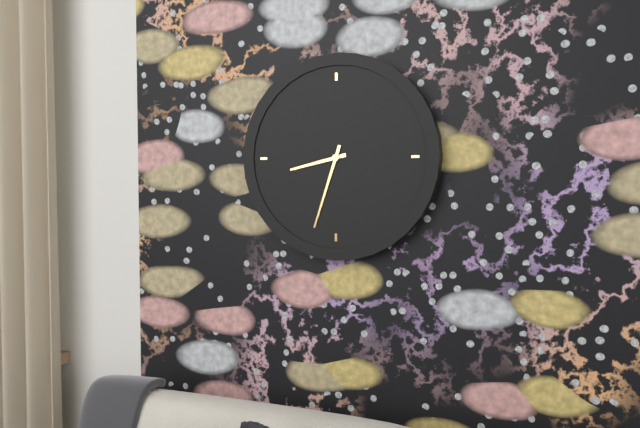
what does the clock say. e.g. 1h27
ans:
8h33
